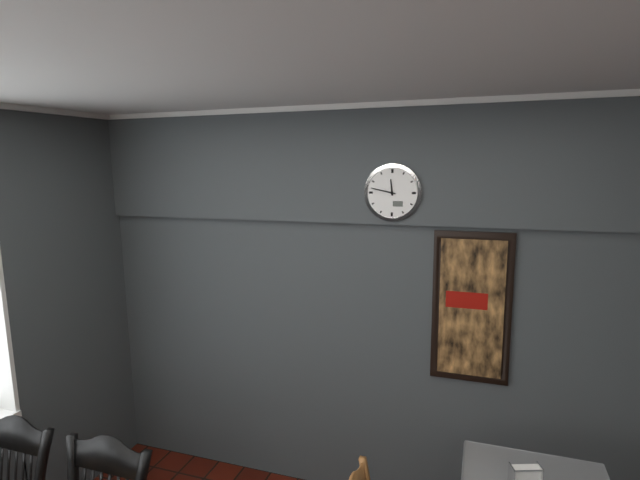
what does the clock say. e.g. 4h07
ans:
11h47
